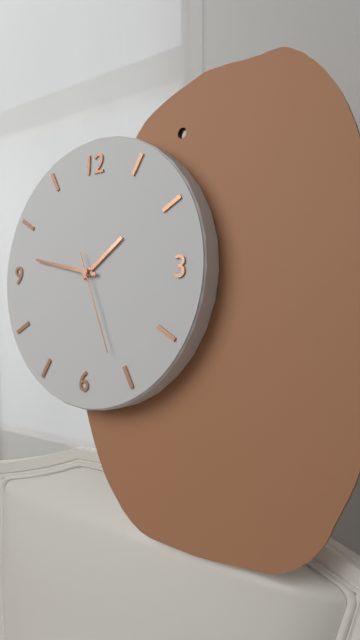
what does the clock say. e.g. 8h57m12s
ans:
1h47m26s
